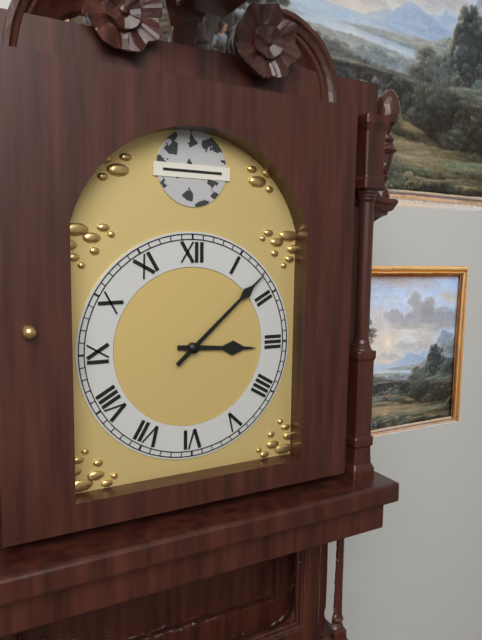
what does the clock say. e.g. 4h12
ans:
3h08
